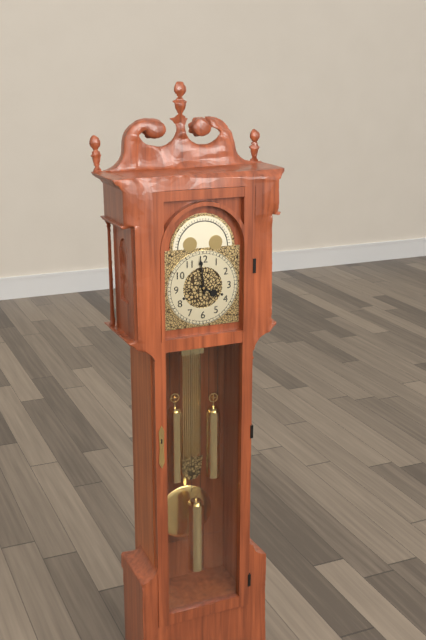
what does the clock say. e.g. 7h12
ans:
3h59
